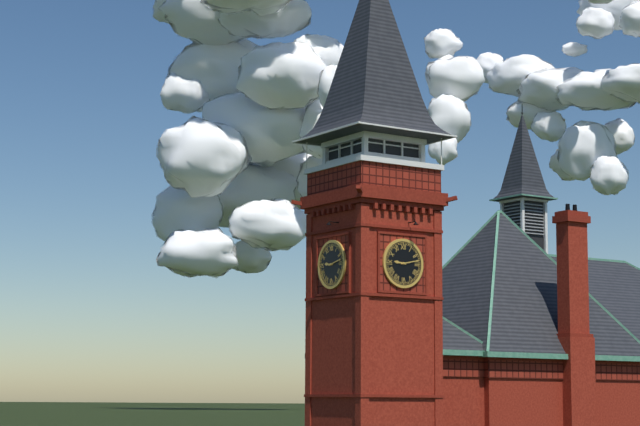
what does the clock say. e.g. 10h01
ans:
9h13
